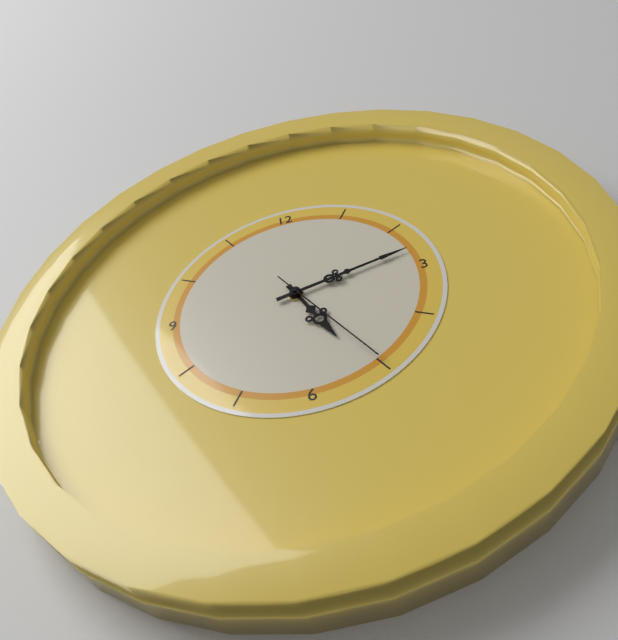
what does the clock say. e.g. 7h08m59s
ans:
5h13m25s
